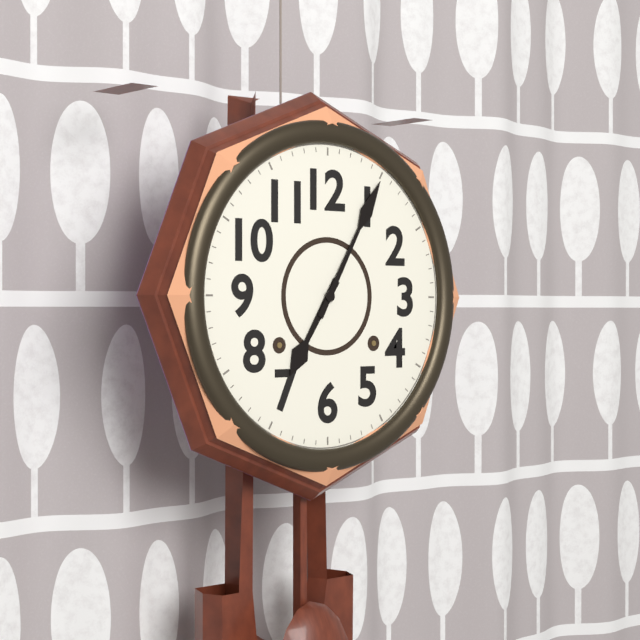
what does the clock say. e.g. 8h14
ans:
7h05
